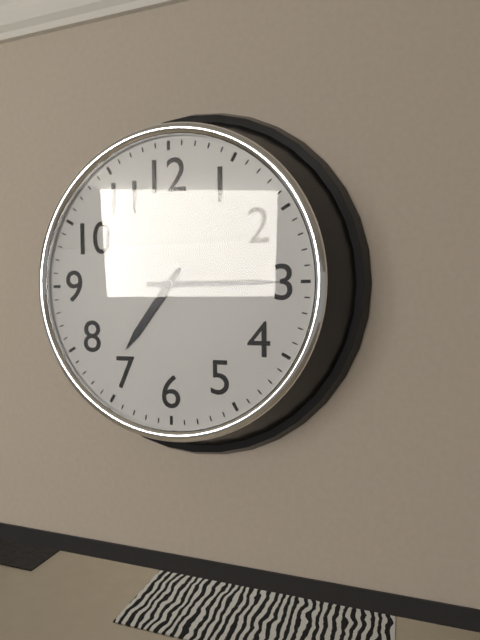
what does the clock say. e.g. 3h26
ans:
7h15
